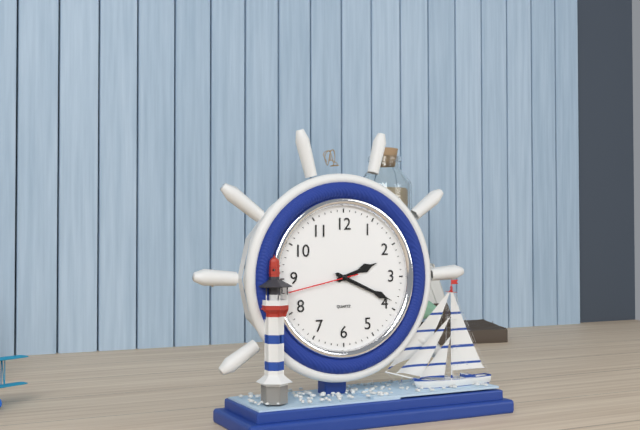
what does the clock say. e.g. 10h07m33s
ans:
2h19m43s
